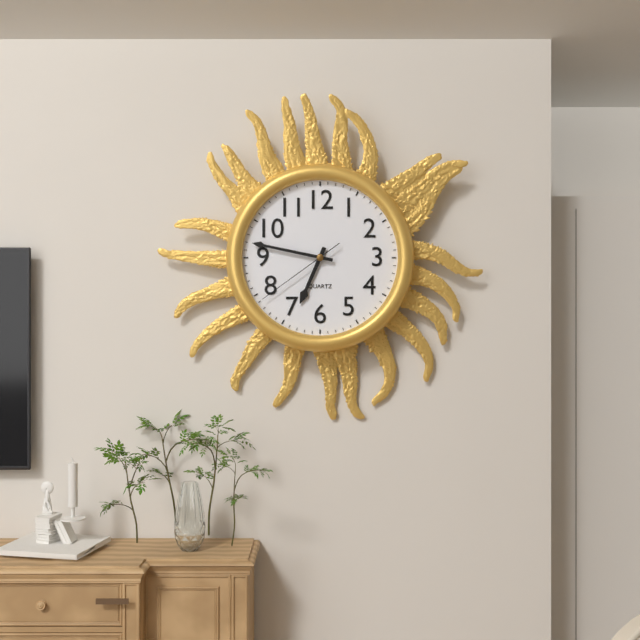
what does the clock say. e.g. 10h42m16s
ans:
6h47m39s
